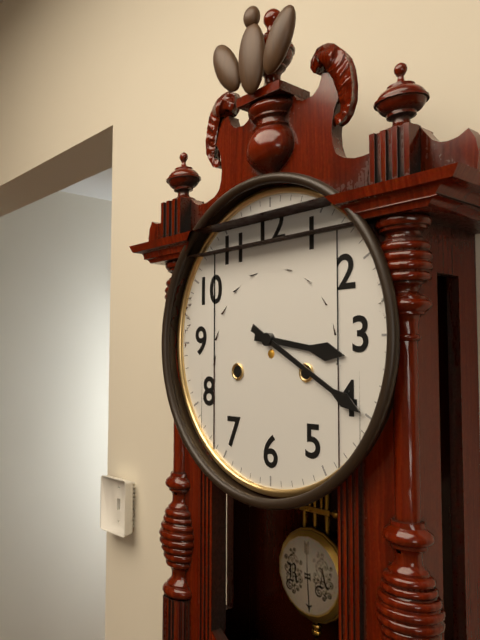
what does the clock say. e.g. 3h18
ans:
3h20
